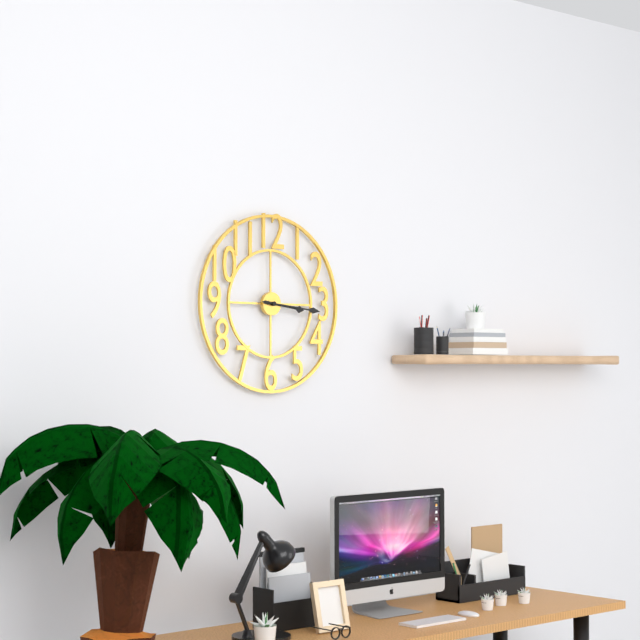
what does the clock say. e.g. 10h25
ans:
3h16
